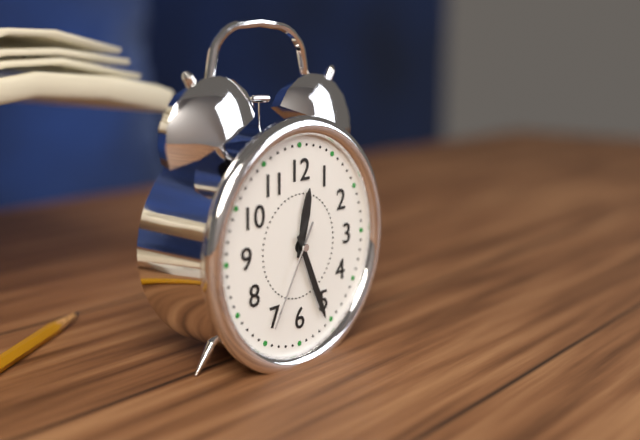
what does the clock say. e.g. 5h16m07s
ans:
12h26m35s
